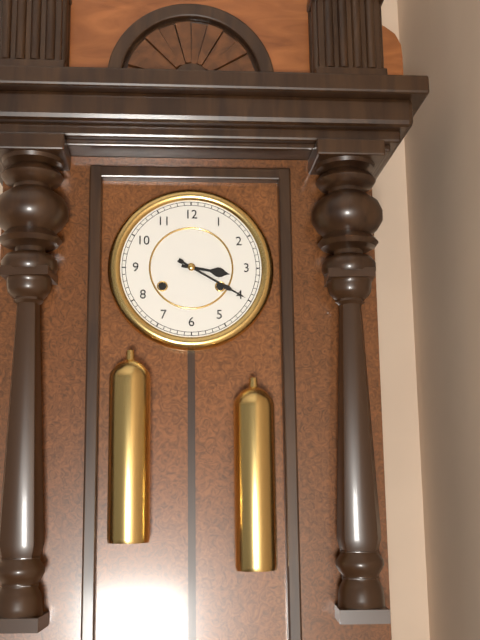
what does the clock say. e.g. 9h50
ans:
3h20
